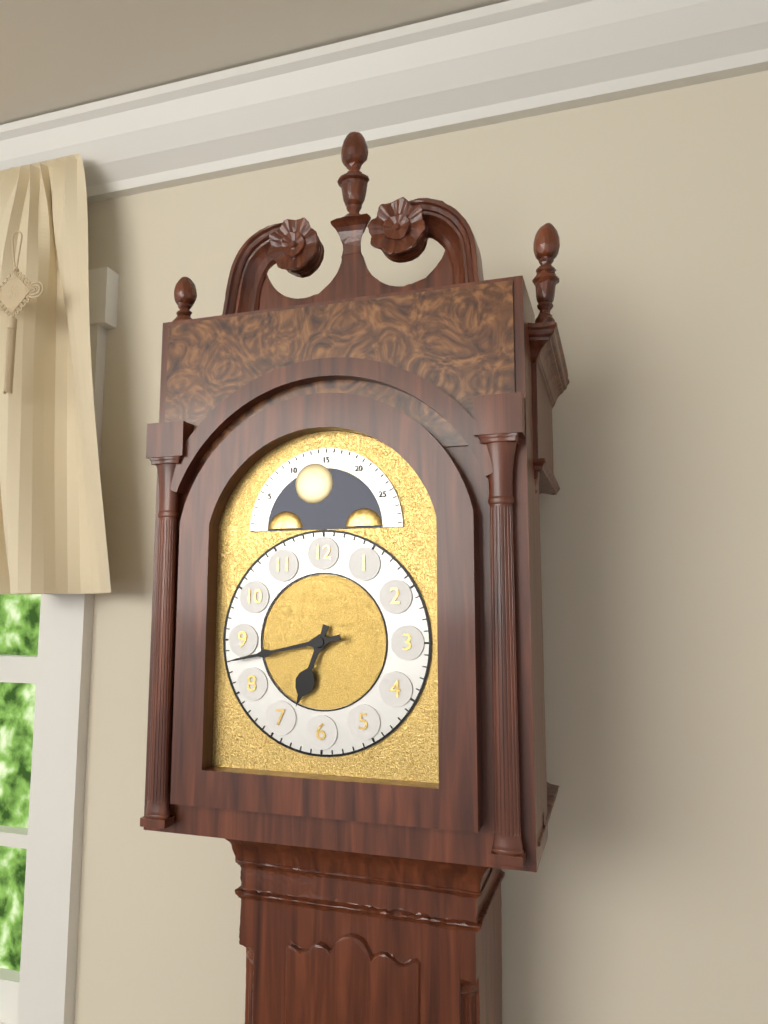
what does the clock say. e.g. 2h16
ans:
6h43
